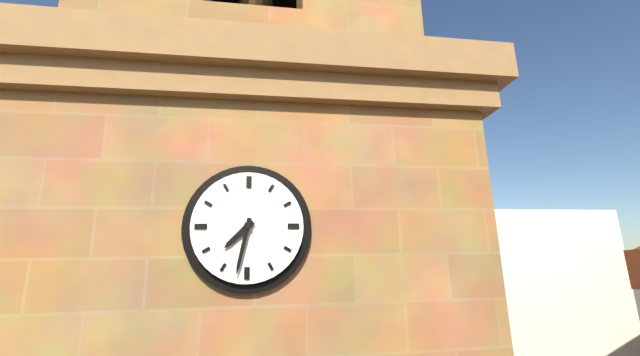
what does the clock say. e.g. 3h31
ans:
7h32
